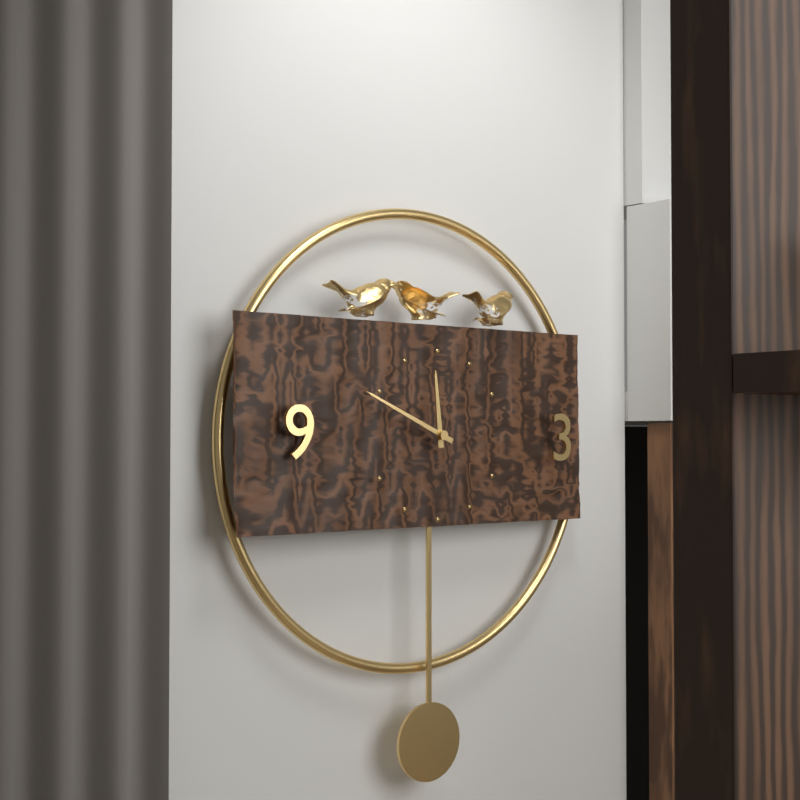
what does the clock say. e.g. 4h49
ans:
11h49
